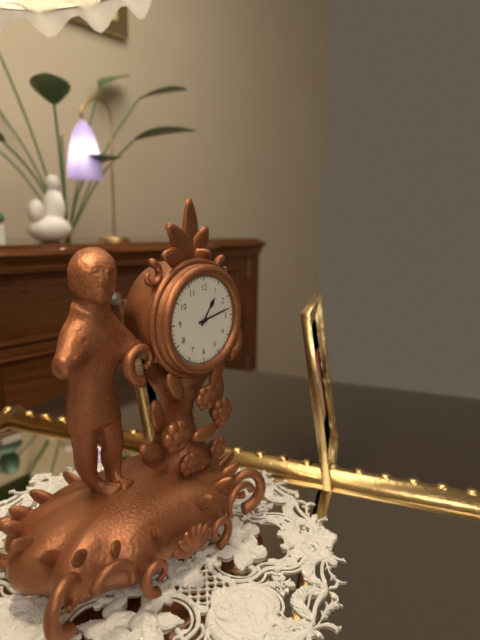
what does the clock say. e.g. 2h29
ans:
1h13
